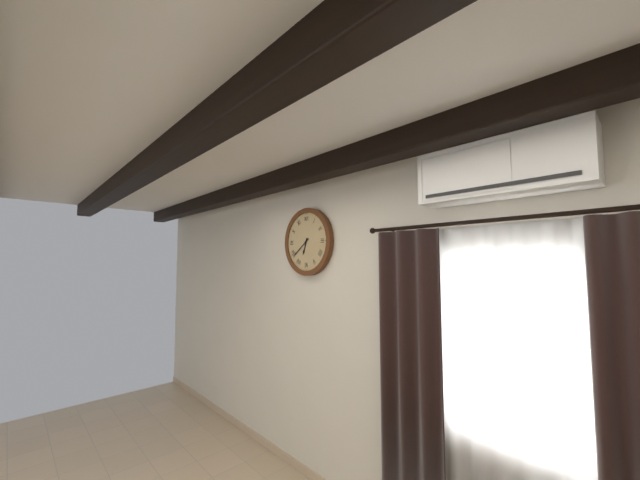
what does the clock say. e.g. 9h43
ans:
6h39
